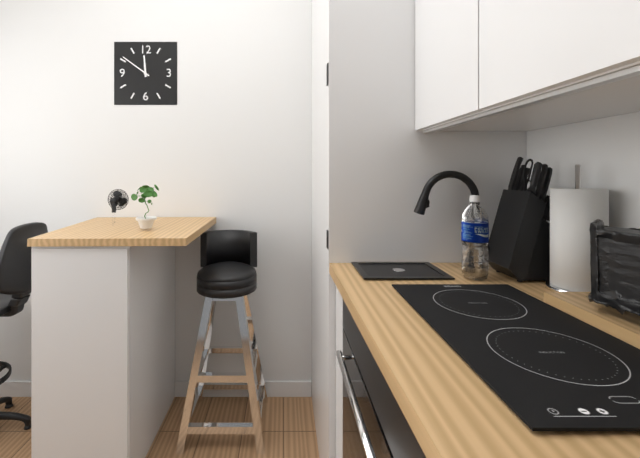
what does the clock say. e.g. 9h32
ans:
11h51
